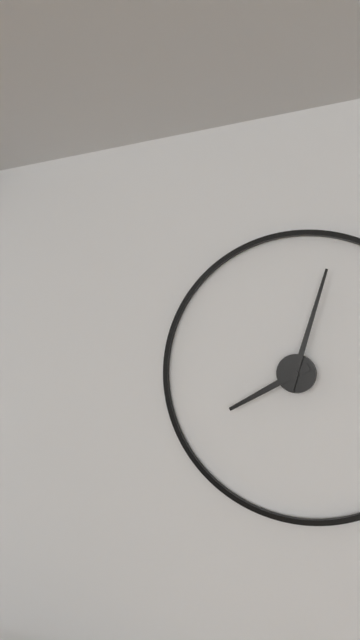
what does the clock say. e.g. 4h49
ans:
8h03
